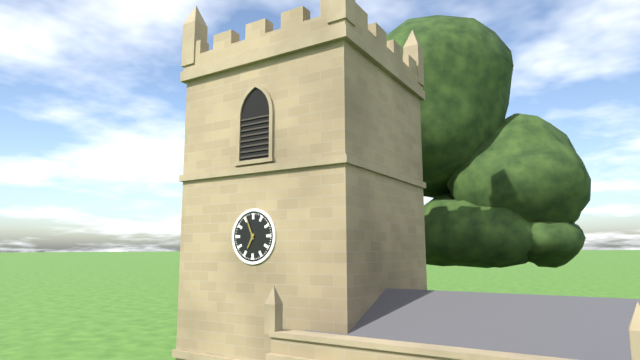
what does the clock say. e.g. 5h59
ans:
6h56
